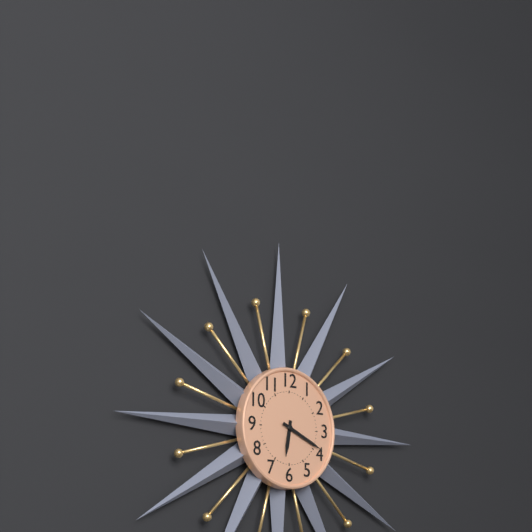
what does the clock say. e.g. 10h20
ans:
6h19
